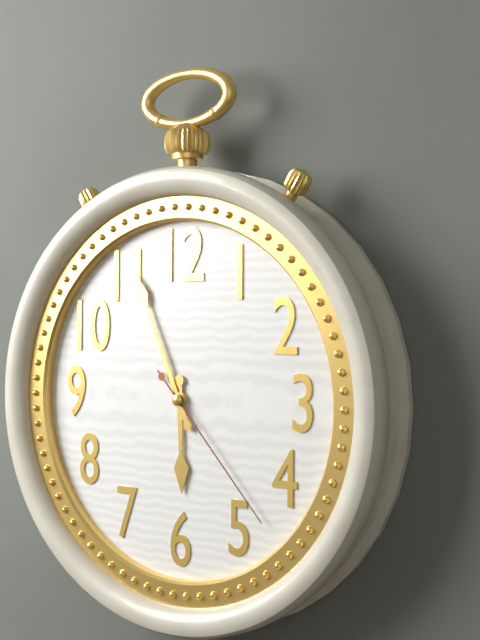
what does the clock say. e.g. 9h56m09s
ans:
5h56m23s
